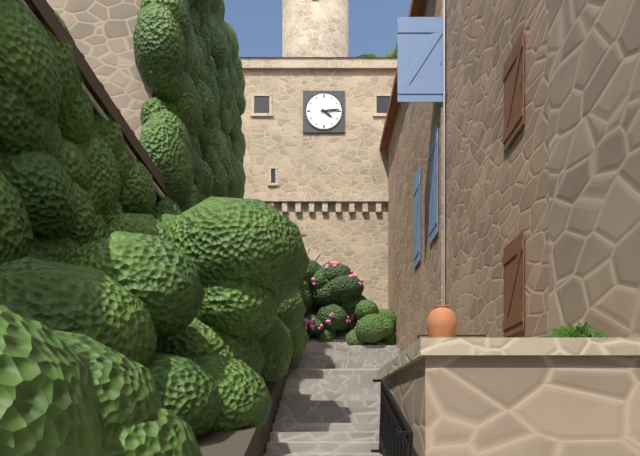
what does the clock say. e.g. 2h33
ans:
4h14
